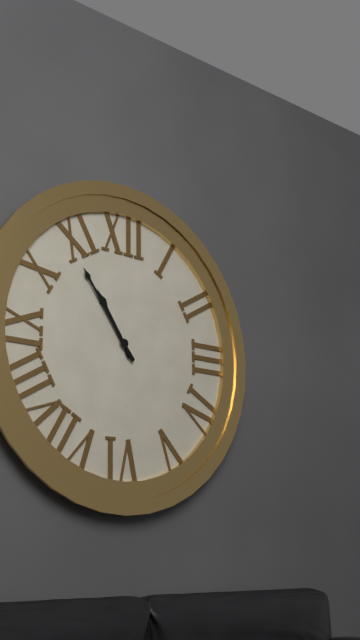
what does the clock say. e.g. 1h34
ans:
10h54
